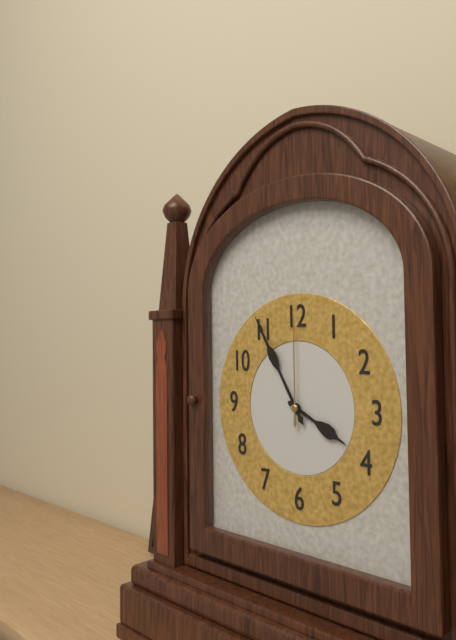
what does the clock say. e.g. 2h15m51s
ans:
3h55m00s
